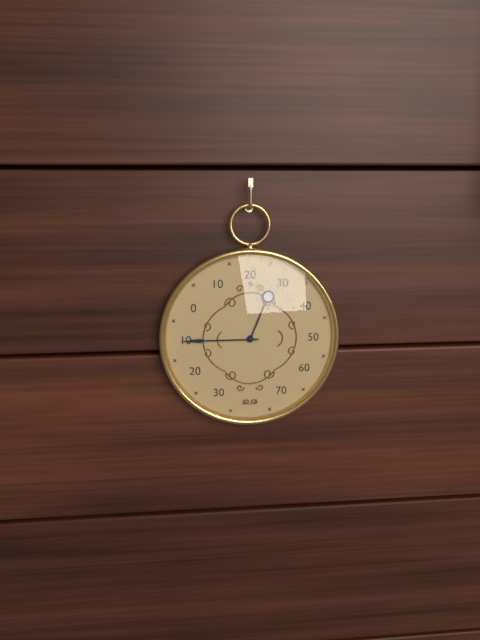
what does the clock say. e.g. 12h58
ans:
12h45
